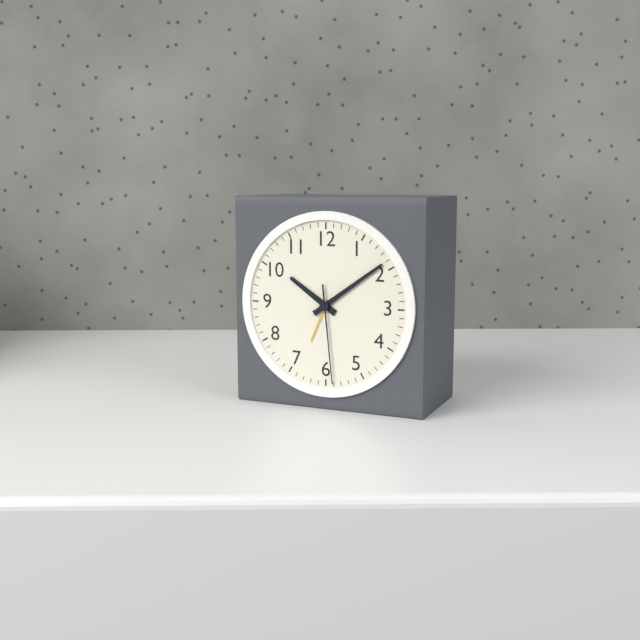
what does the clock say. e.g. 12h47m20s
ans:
10h09m29s
